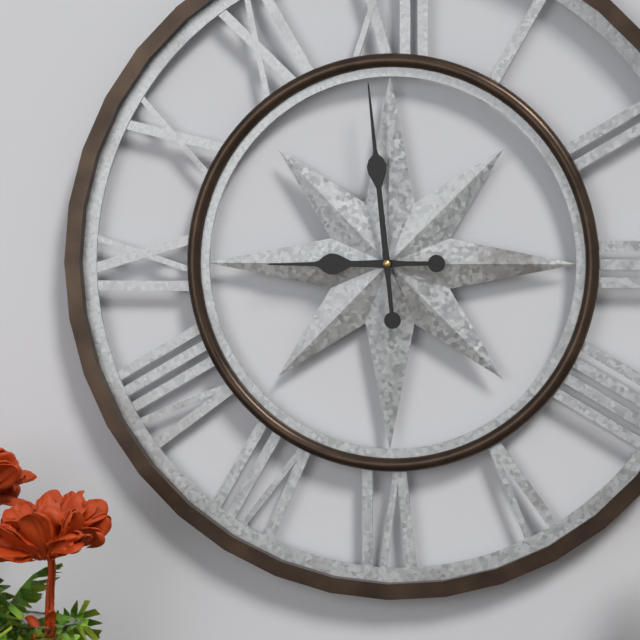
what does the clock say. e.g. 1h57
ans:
8h59
